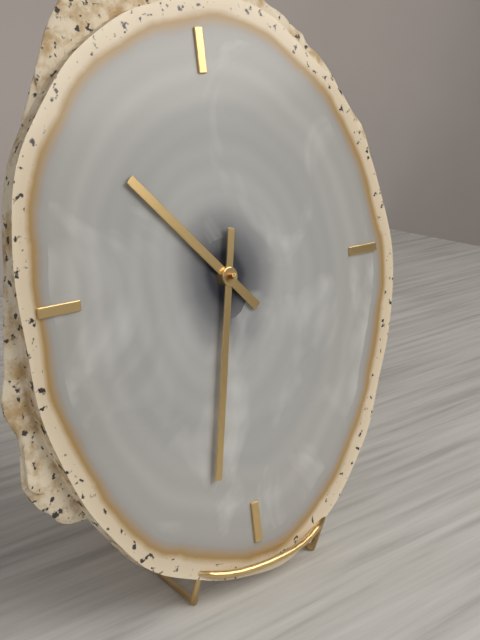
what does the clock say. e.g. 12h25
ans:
10h32
